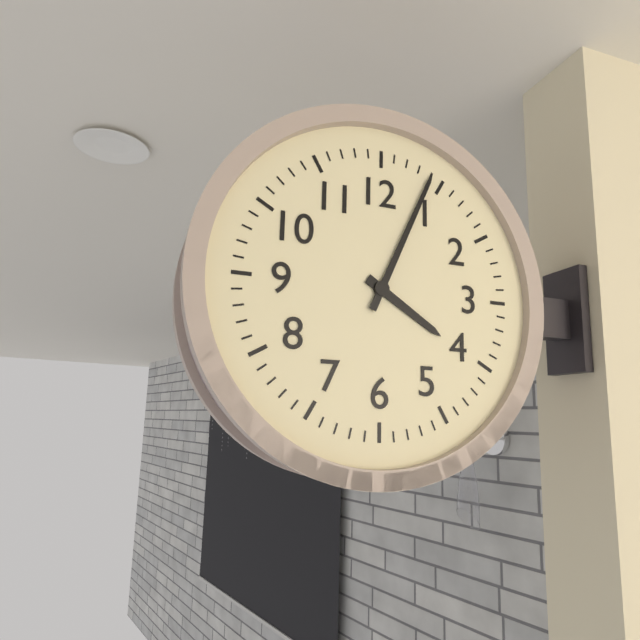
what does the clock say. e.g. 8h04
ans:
4h04
